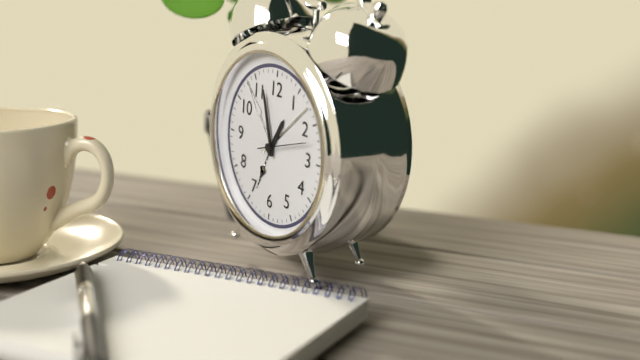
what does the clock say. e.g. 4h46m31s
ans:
12h57m12s
